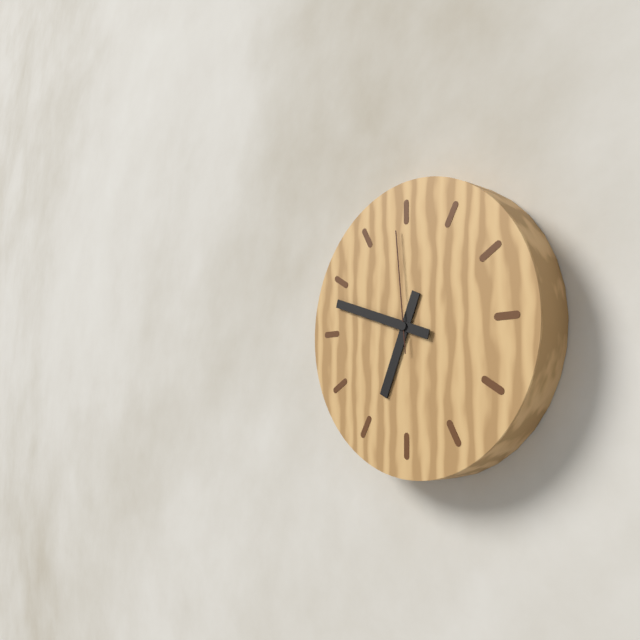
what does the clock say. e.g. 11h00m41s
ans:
6h48m59s
